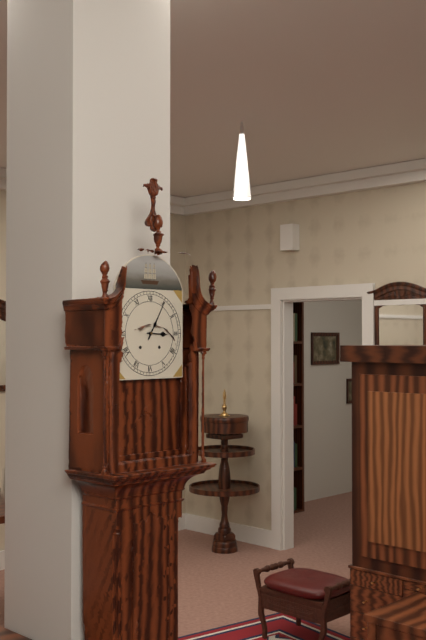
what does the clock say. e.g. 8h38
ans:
3h05
